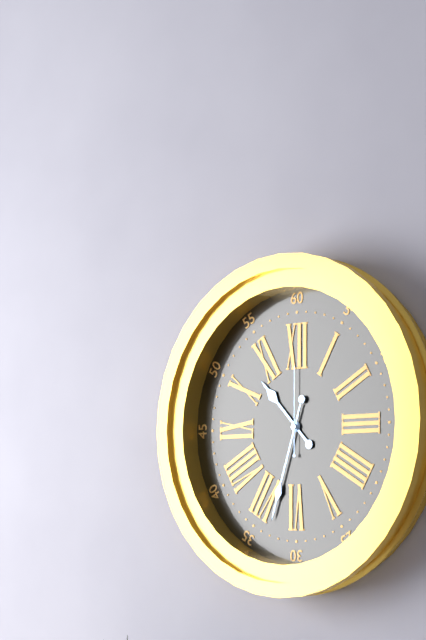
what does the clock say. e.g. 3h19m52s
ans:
10h33m00s
